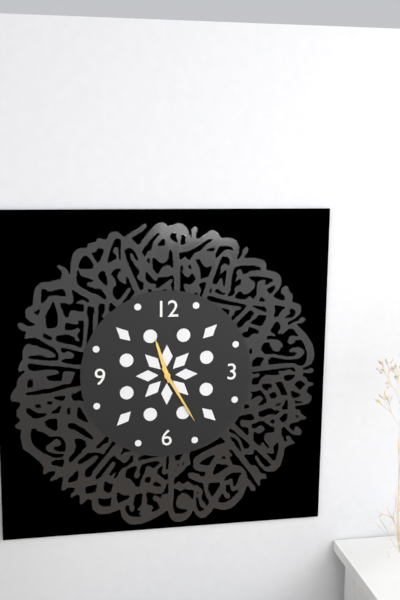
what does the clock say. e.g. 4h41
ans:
11h25
